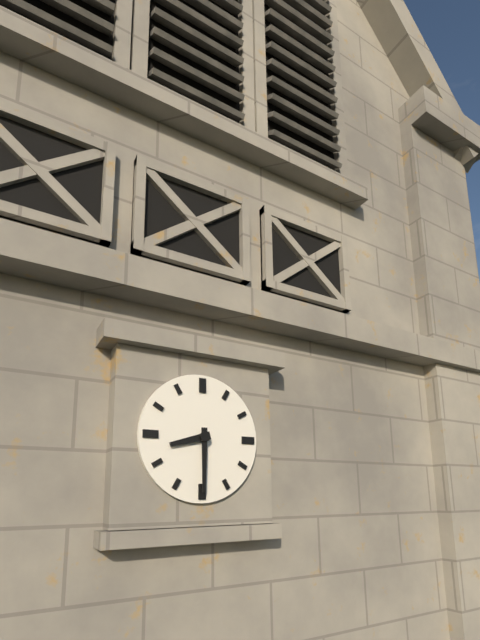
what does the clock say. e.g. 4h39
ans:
8h30
